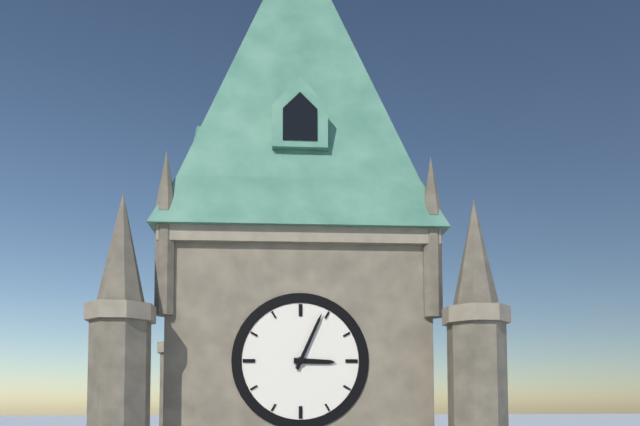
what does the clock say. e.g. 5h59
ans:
3h04
